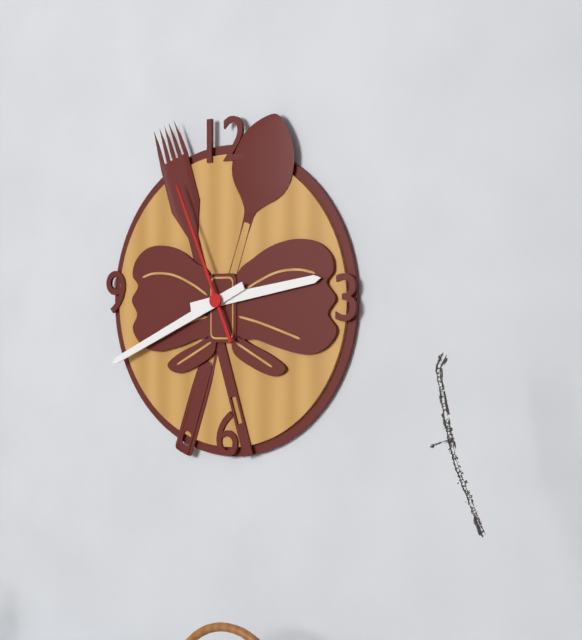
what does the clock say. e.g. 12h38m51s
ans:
2h41m56s
